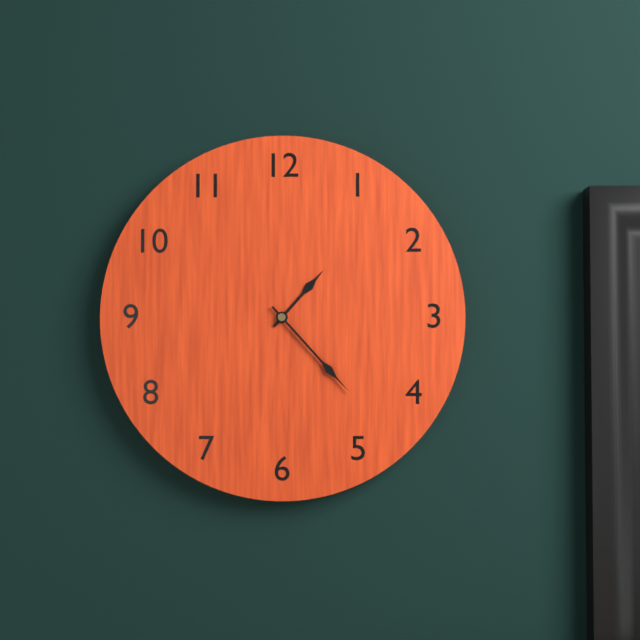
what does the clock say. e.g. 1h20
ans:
1h23
